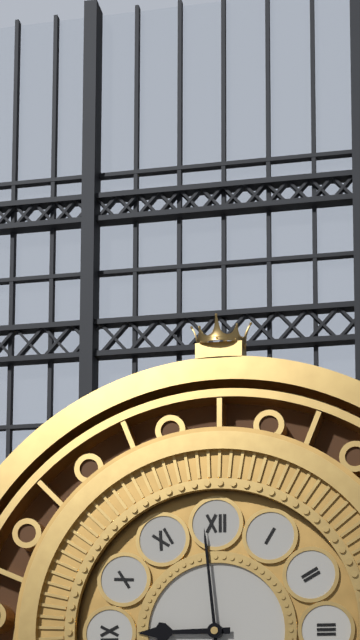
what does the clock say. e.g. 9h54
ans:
8h59
